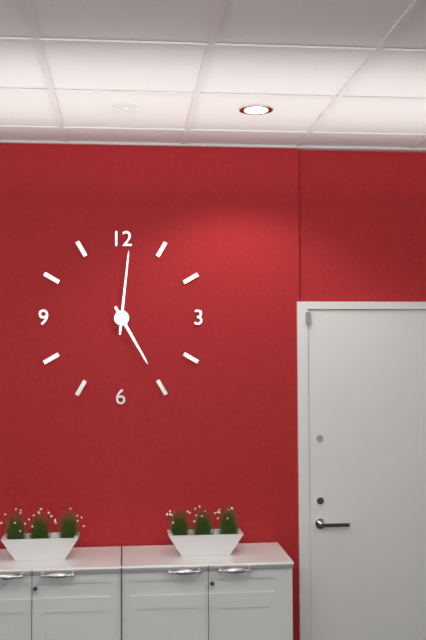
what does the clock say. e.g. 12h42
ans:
5h01
